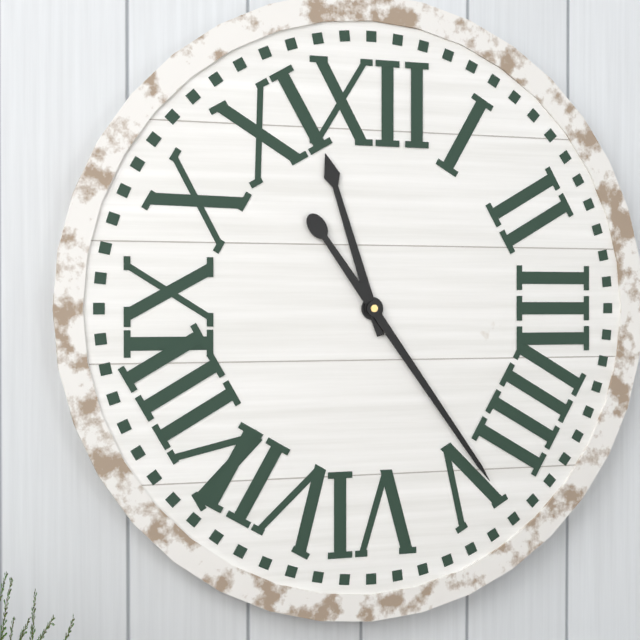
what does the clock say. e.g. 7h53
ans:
11h24
